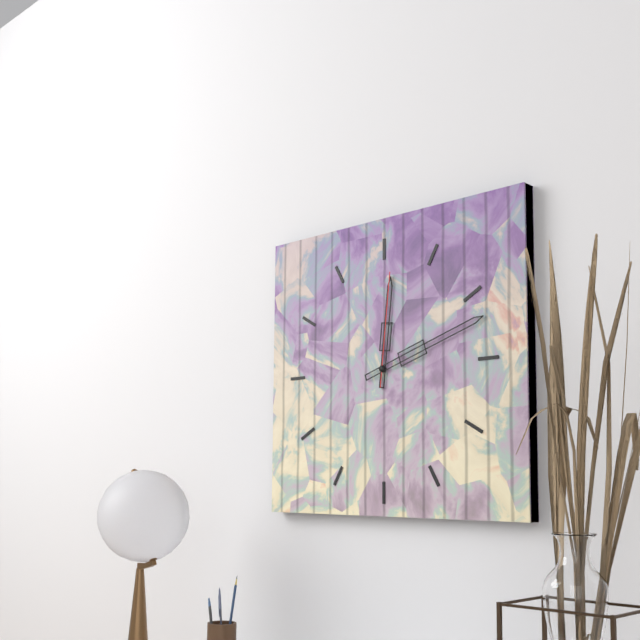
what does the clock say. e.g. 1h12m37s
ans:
12h12m01s
